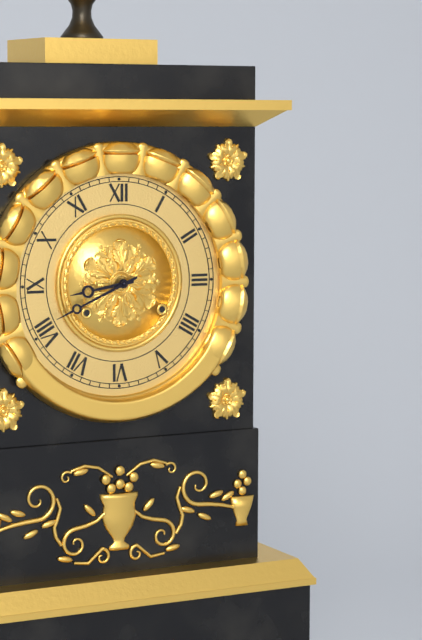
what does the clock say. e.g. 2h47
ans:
8h41
